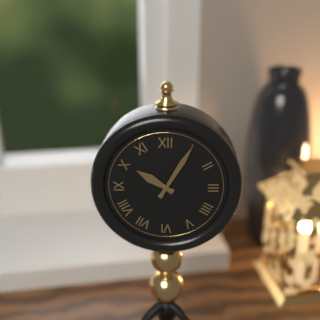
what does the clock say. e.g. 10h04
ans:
10h05
